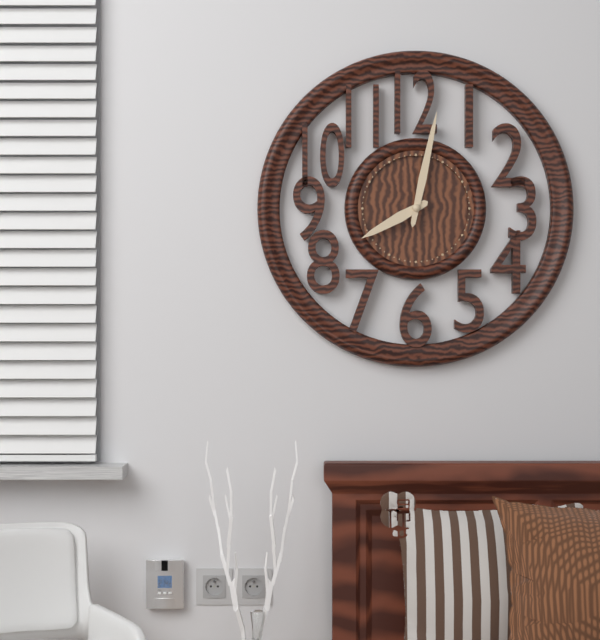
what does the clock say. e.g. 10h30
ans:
8h02
